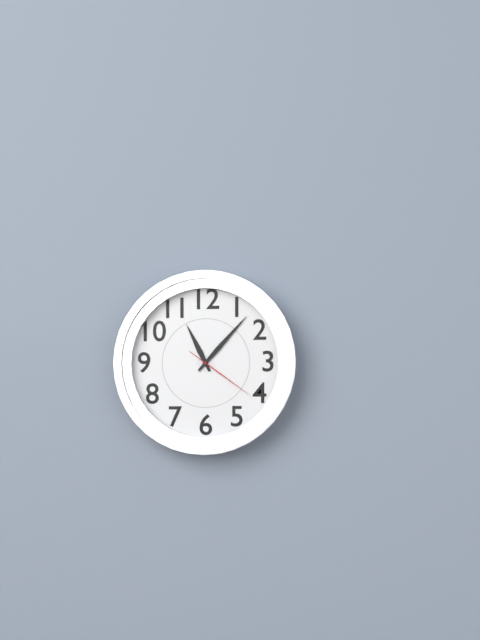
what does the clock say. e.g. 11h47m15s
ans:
11h07m21s
